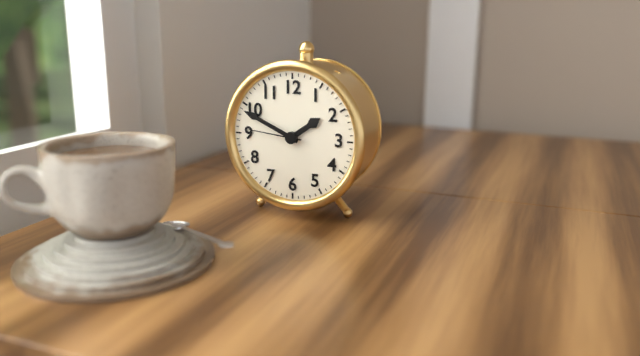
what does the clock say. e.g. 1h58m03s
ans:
1h49m46s
